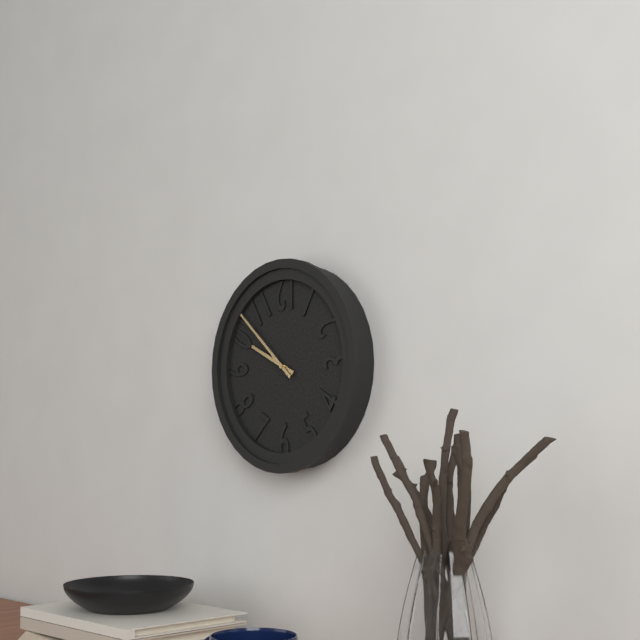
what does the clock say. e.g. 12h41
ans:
9h52
